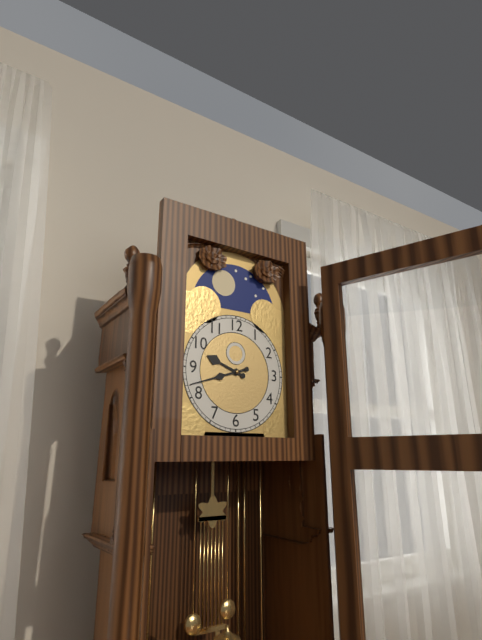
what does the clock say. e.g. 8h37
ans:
9h42
